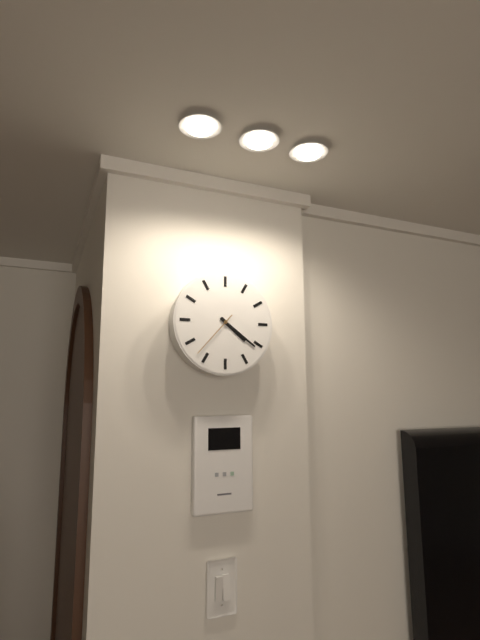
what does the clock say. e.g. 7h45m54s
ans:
4h21m37s
